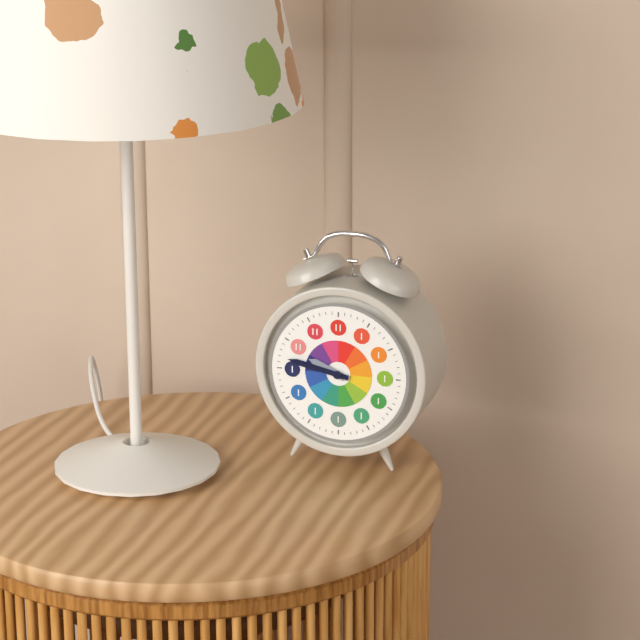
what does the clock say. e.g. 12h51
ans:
9h47
